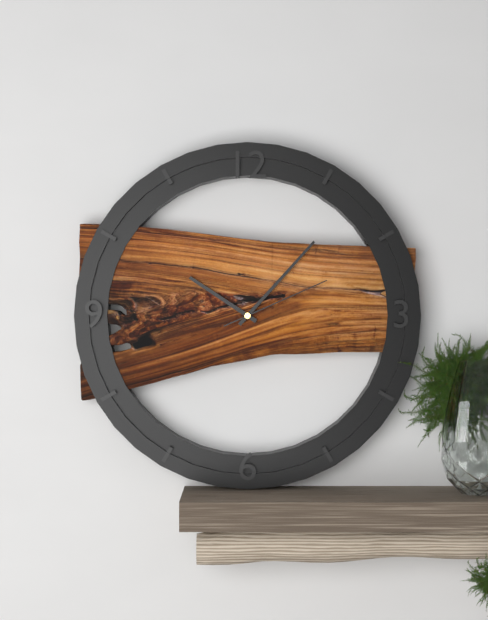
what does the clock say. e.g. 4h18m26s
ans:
10h07m11s
